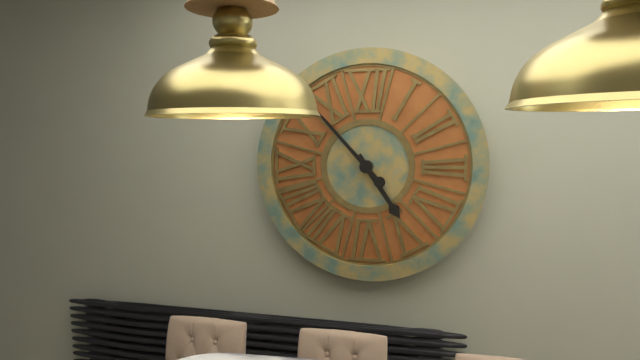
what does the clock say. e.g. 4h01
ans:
4h53
